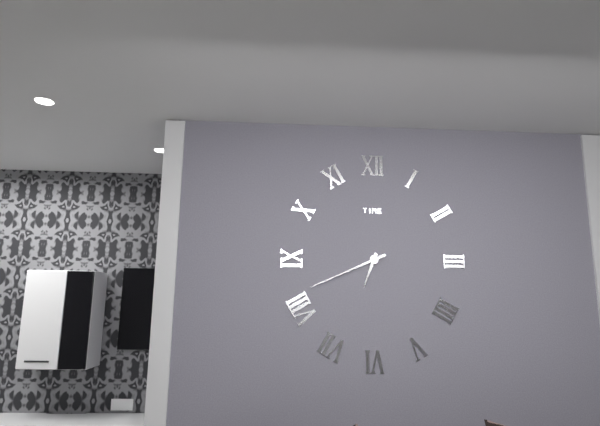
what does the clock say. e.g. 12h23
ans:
6h41
